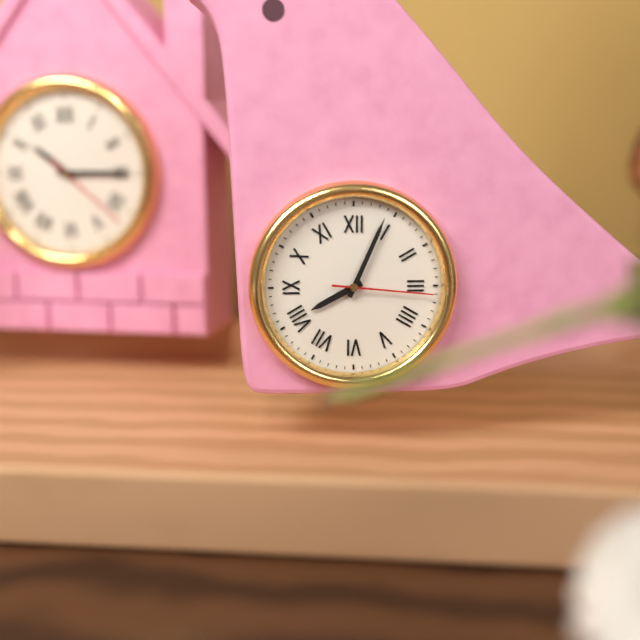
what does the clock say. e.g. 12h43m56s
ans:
8h04m16s
